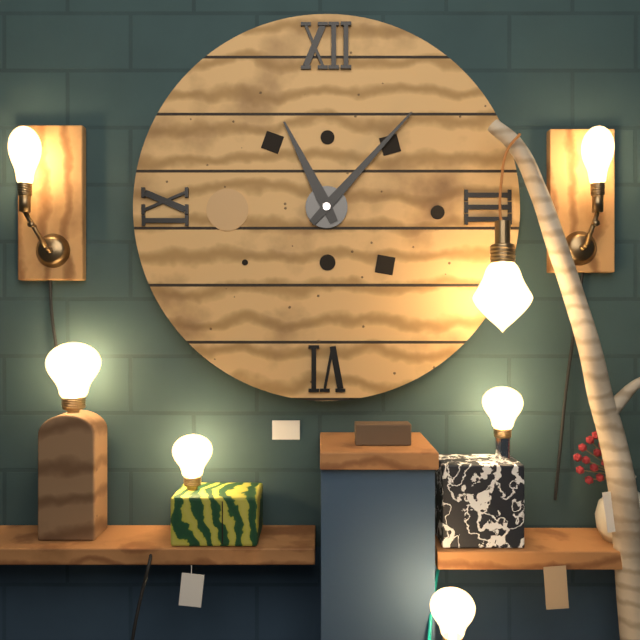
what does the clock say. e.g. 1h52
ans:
11h07
